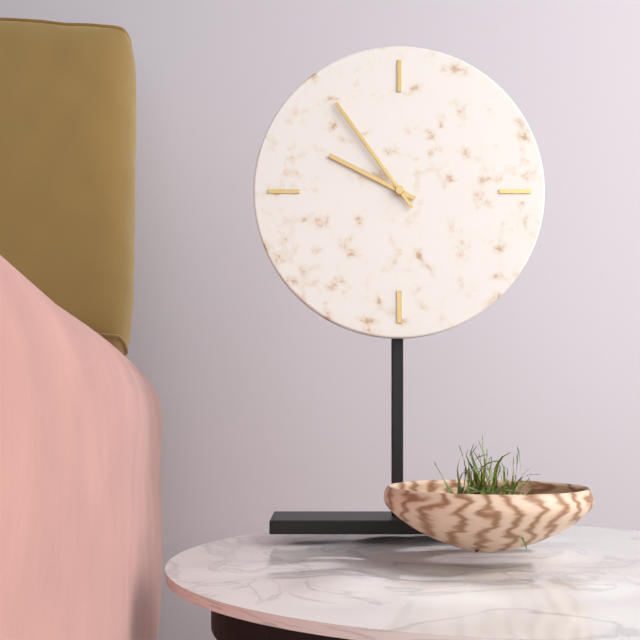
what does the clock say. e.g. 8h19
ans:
9h54
